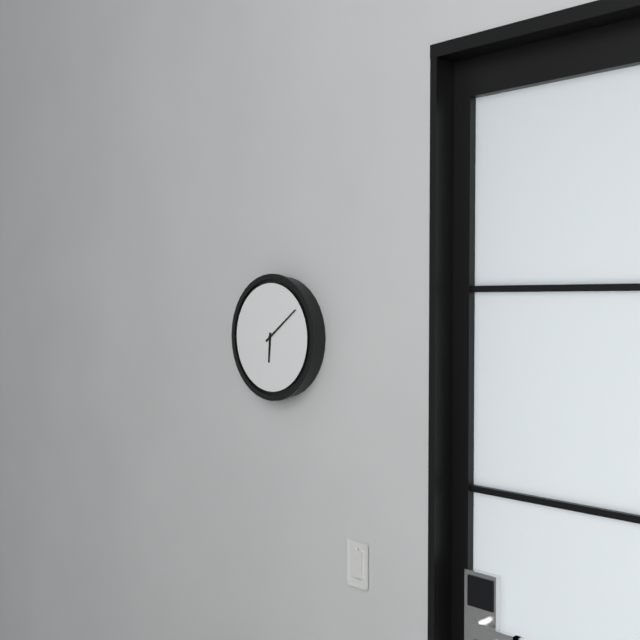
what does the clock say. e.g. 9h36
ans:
6h09
